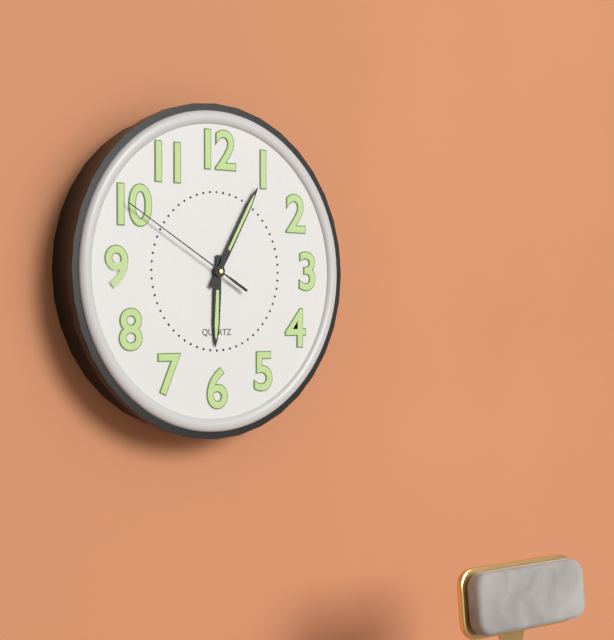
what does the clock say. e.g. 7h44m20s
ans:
6h05m50s
